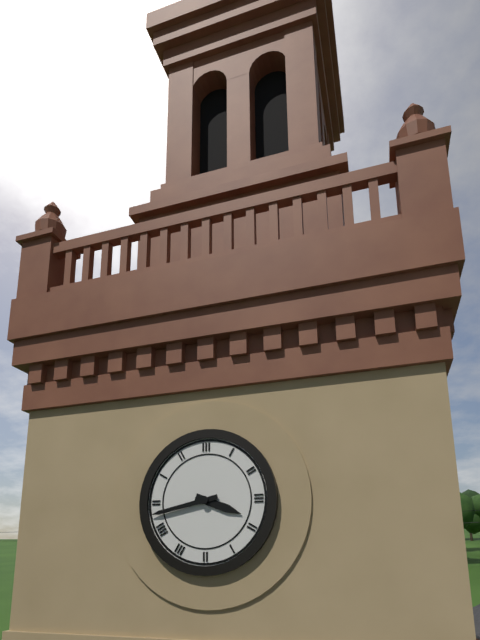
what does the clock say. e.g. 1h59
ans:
3h43
